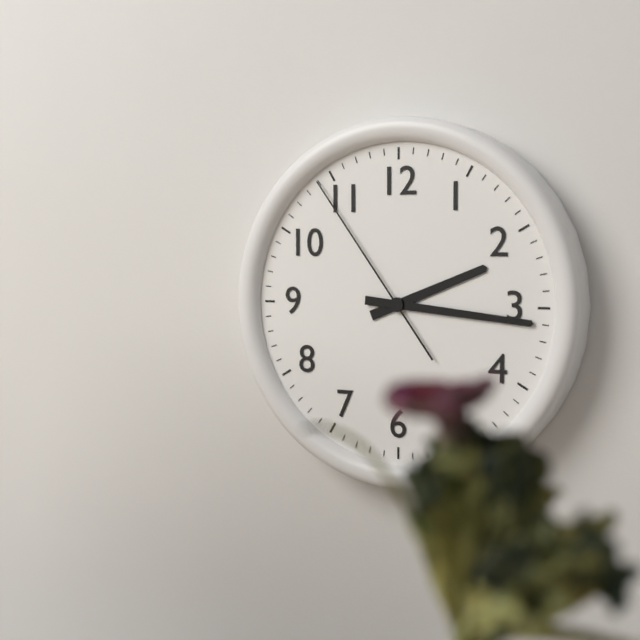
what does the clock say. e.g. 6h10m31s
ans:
2h16m54s
